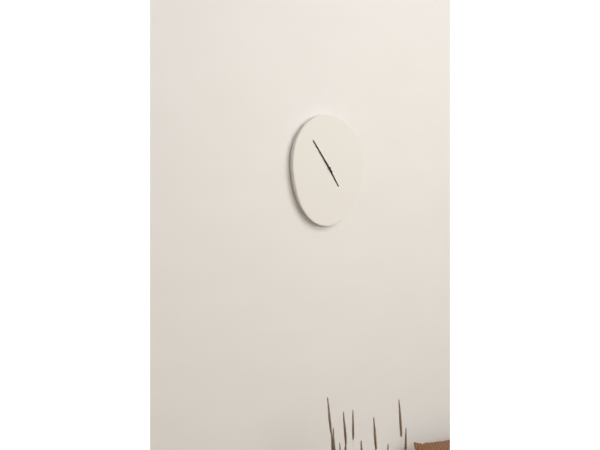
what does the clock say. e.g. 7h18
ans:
4h54
